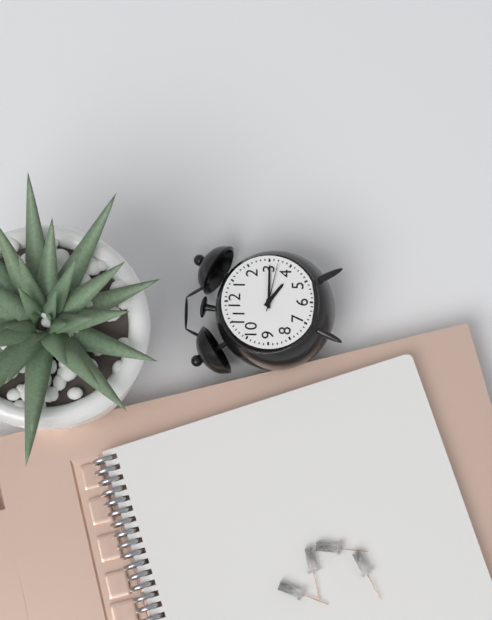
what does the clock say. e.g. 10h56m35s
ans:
4h15m17s
